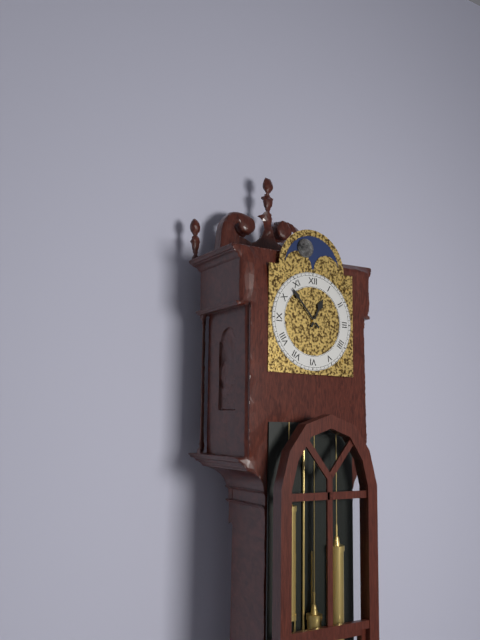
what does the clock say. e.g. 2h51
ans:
12h53
